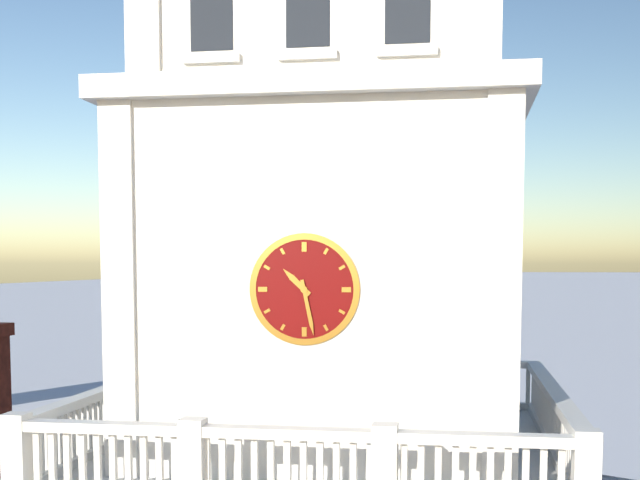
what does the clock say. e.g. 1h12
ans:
10h28
